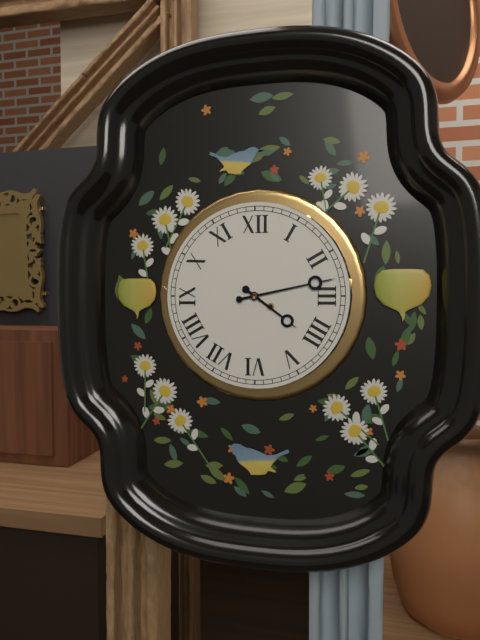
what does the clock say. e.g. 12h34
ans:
4h13
